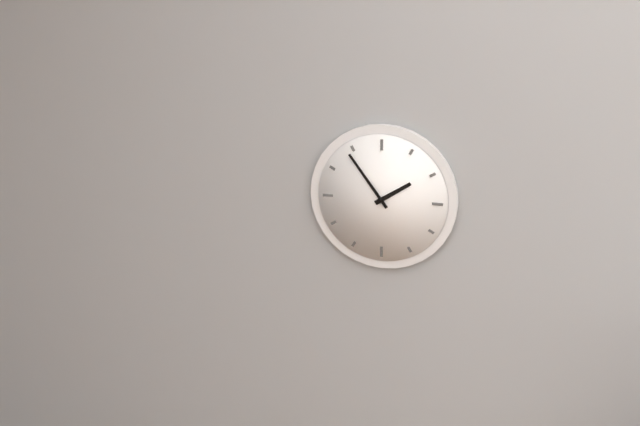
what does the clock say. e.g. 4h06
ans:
1h54
